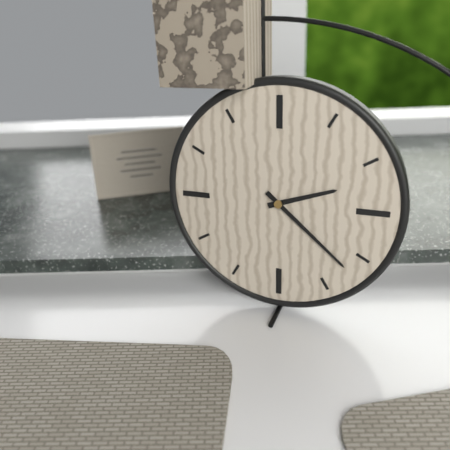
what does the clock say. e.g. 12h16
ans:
2h22
